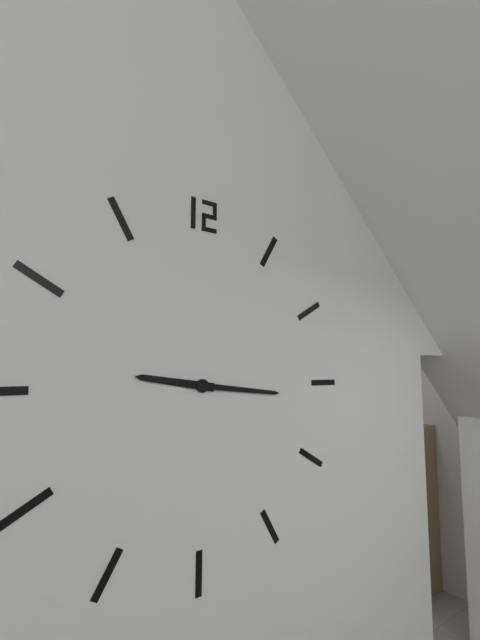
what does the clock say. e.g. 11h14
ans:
9h16
